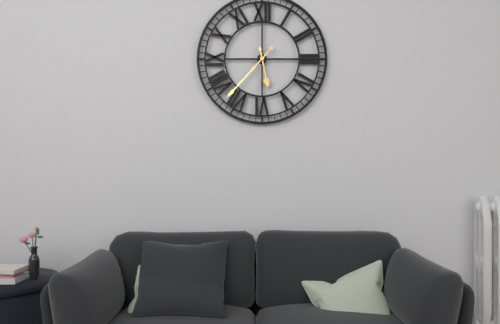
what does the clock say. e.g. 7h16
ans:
5h37
